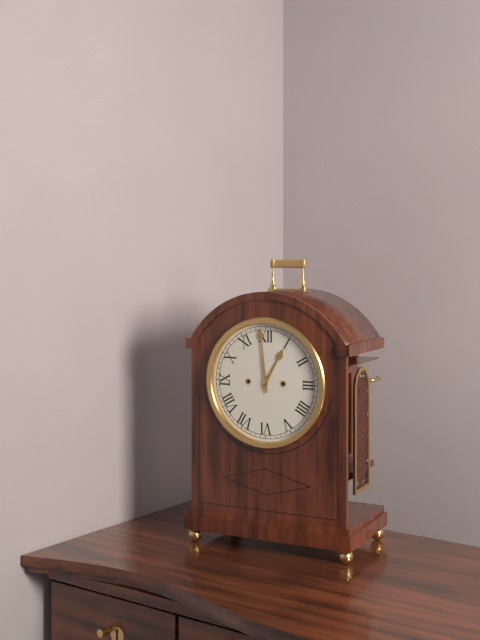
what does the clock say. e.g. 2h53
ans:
12h59
